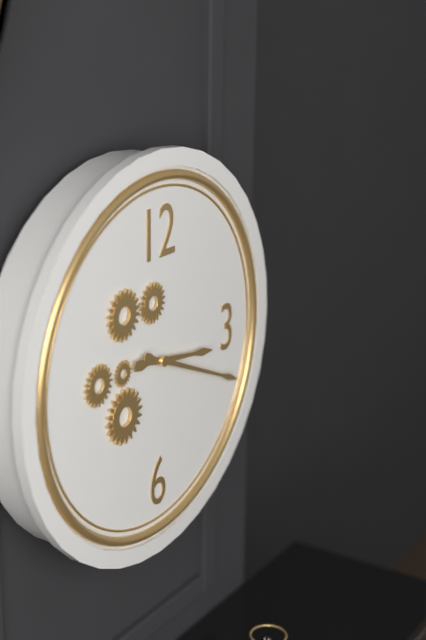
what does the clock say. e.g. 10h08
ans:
3h19
